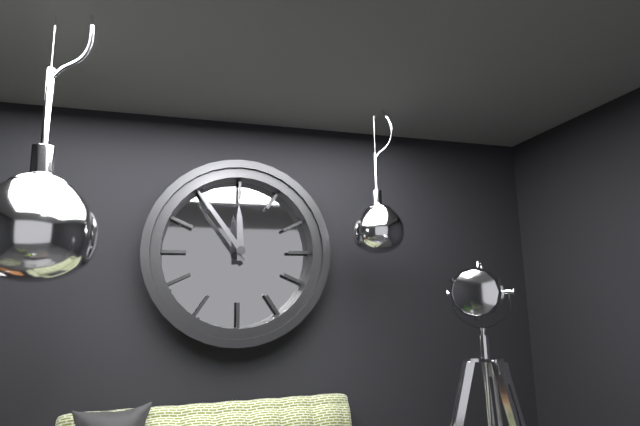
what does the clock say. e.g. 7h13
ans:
11h54
